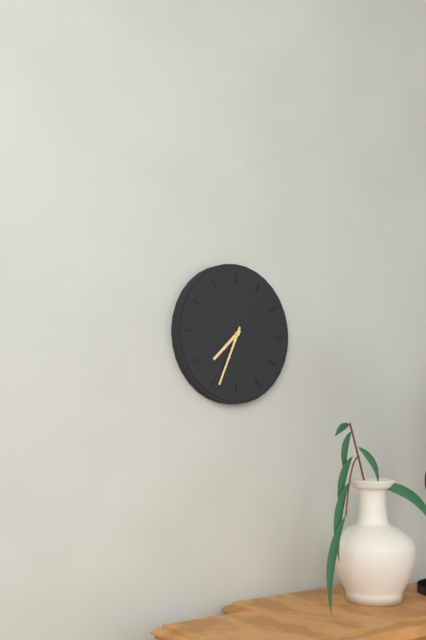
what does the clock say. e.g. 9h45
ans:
7h34
